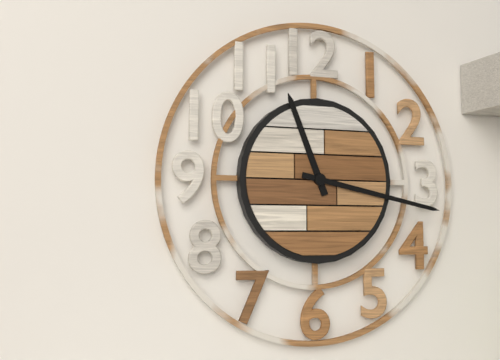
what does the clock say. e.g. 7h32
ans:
11h17
